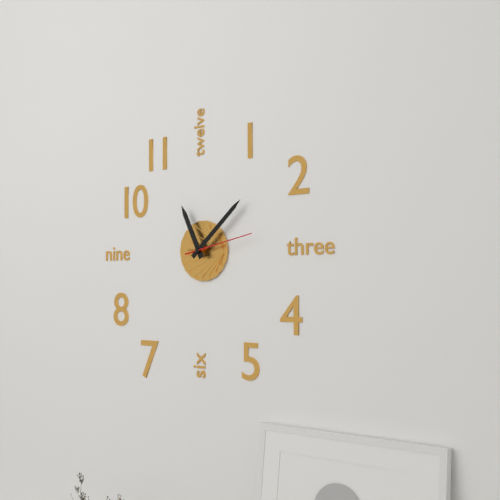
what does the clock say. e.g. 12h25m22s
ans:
11h08m13s
